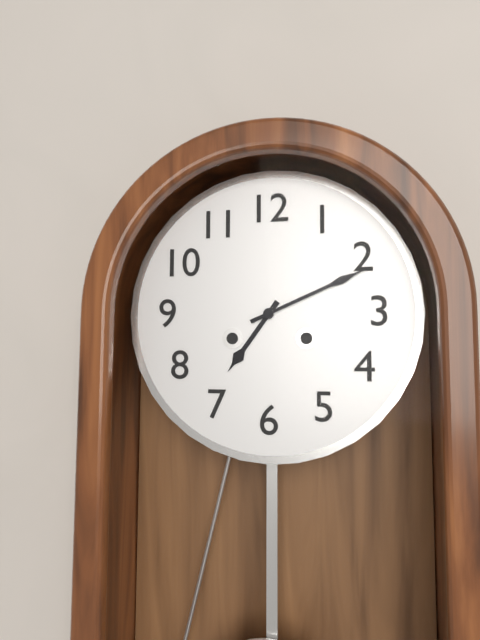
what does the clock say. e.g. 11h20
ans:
7h11
